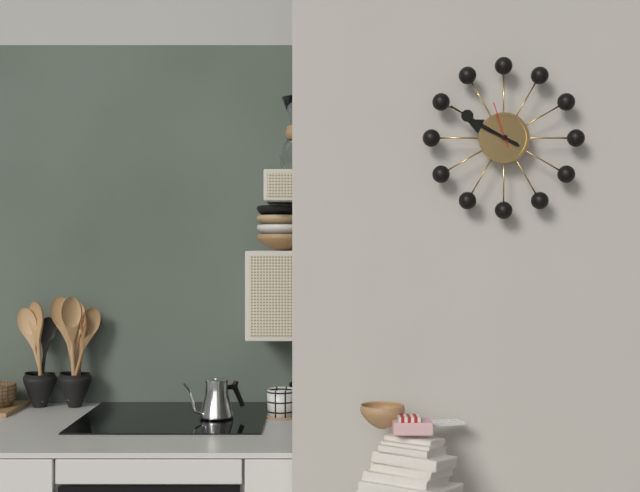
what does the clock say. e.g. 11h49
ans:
9h50
